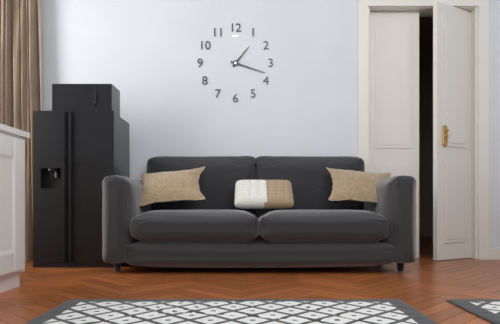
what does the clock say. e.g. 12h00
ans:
1h18
